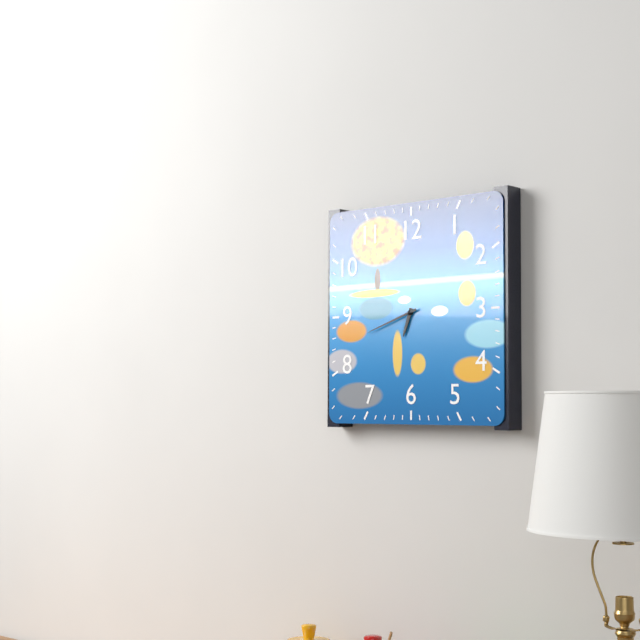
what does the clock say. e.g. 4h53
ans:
6h42
